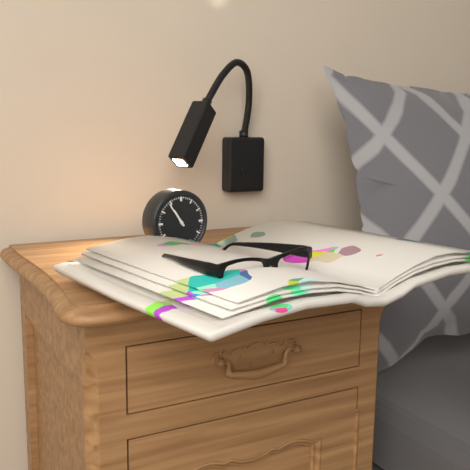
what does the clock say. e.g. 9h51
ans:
10h54
